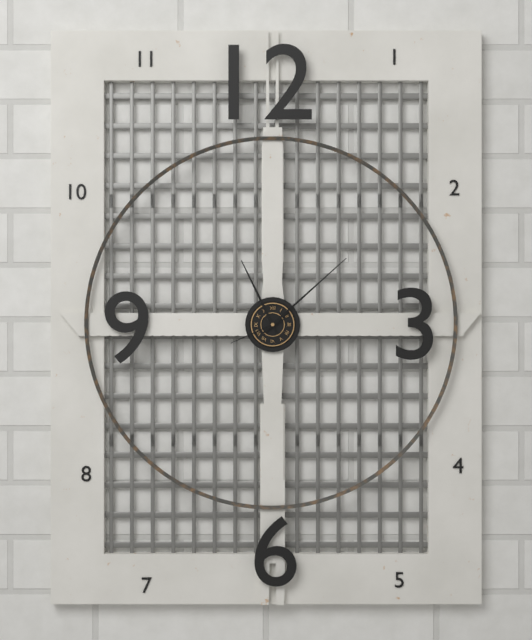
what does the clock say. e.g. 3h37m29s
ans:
11h08m41s
